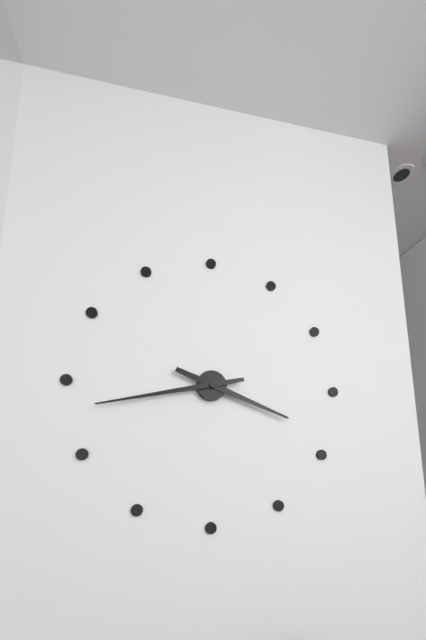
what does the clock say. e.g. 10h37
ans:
3h43
